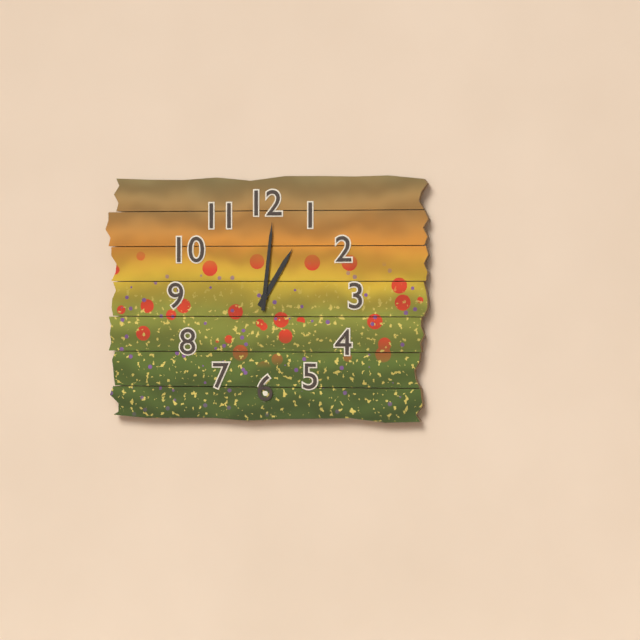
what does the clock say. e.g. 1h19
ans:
1h01
